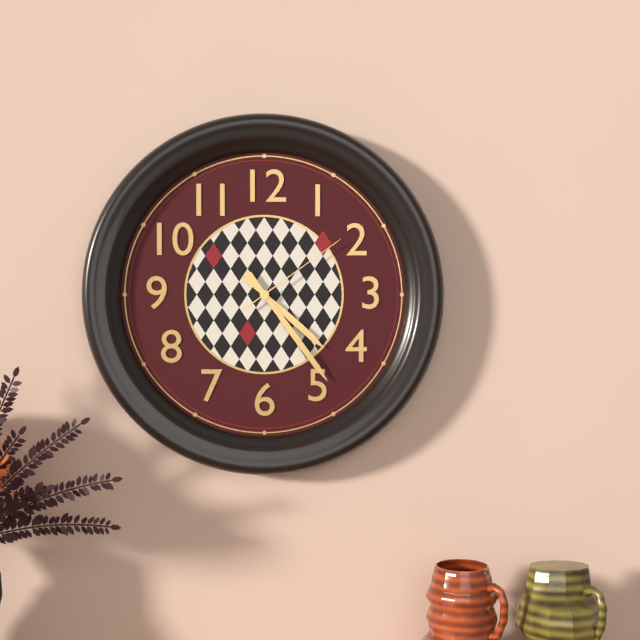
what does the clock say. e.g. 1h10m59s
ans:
4h24m09s
